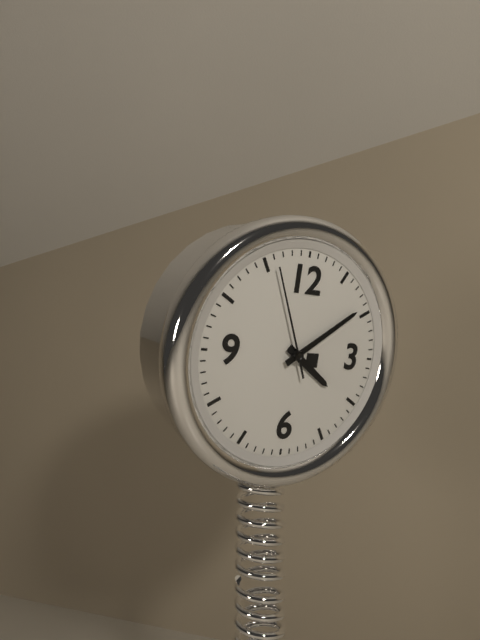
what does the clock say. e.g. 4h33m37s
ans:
4h09m56s
